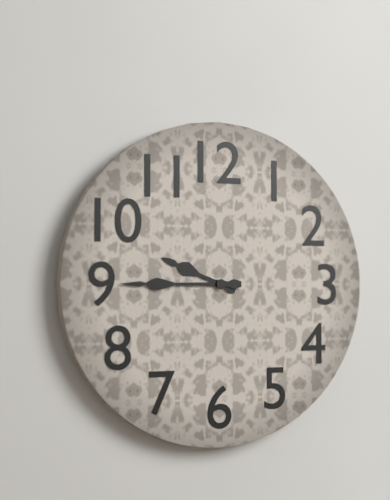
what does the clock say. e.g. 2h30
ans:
9h45
